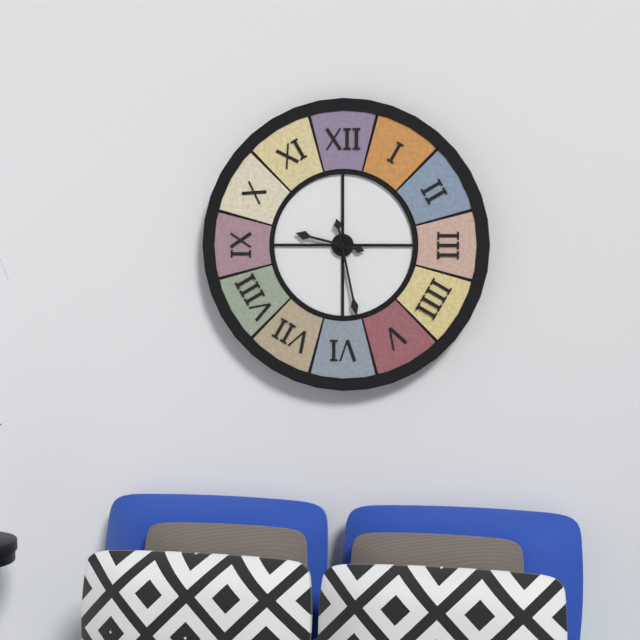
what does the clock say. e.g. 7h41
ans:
9h28
